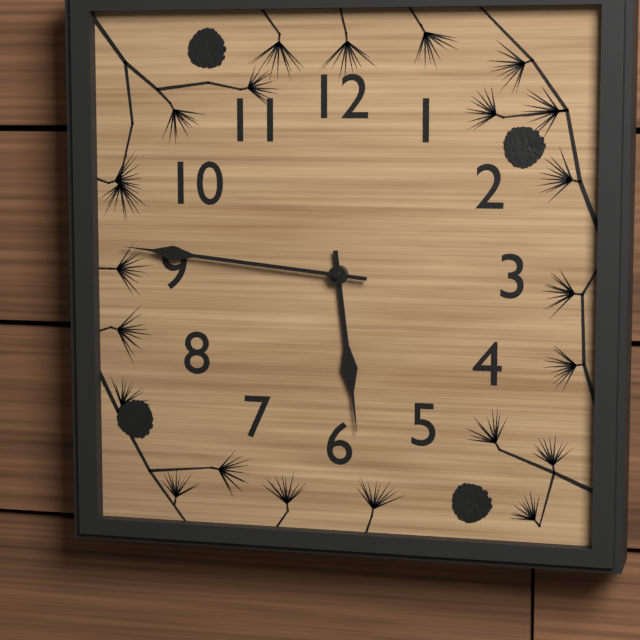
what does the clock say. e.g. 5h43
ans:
5h46
